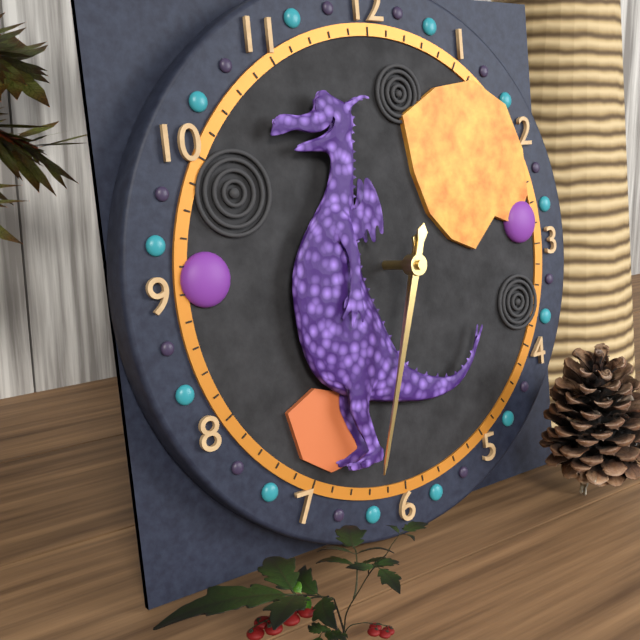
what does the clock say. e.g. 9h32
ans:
6h33
